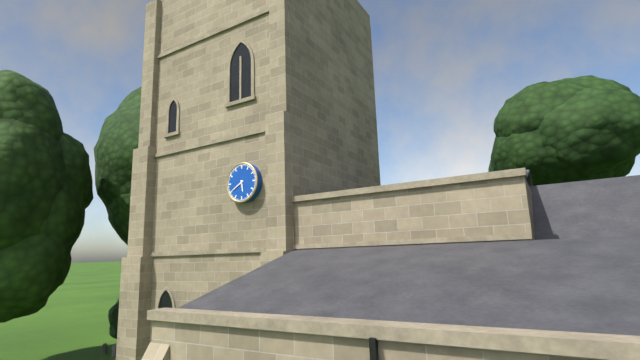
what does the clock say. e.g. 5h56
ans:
5h40
